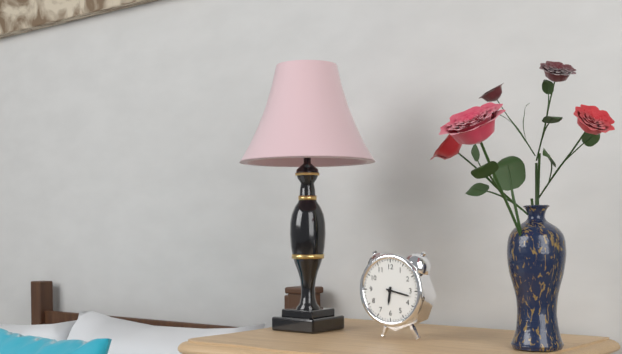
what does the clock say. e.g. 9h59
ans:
6h17
